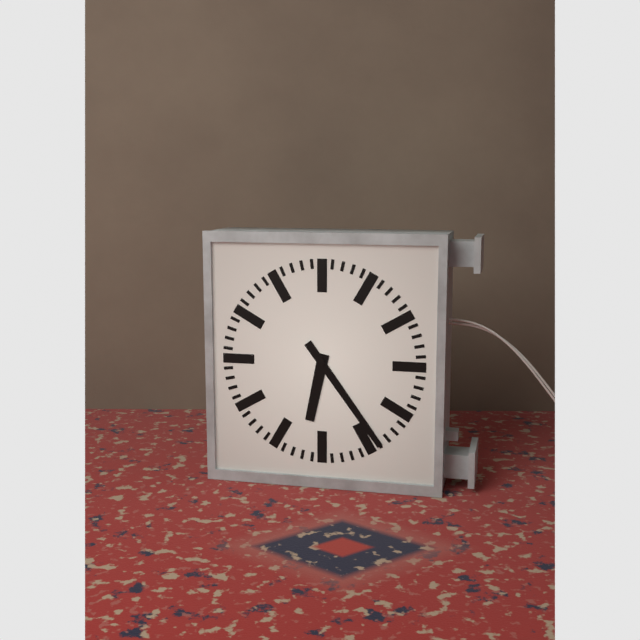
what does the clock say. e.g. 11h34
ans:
6h24
